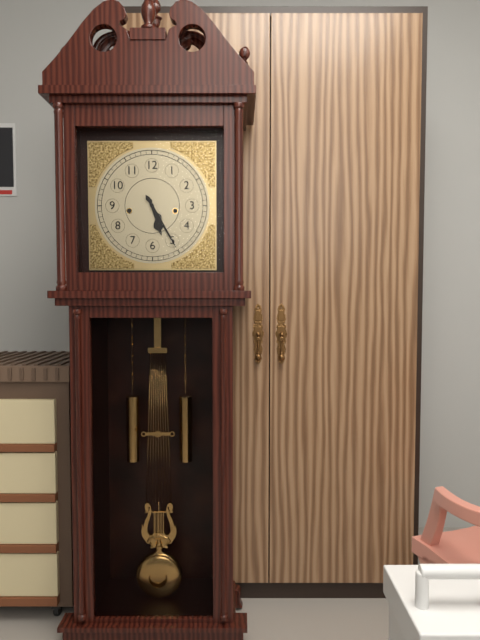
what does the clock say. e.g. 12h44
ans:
5h25
